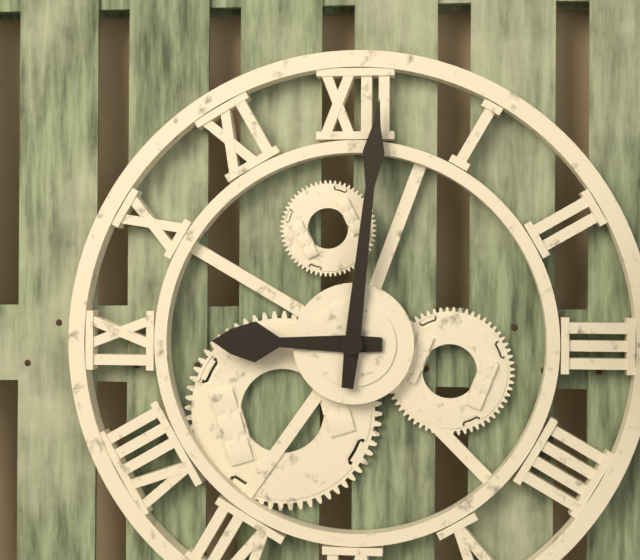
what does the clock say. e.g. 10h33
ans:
9h01
